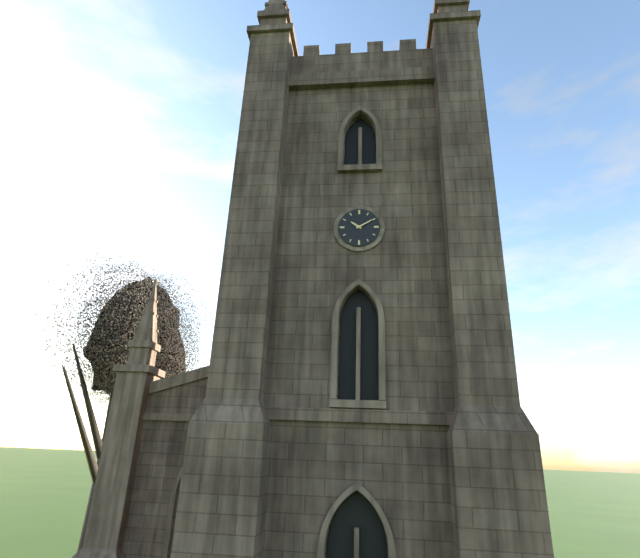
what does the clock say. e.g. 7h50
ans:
10h10
